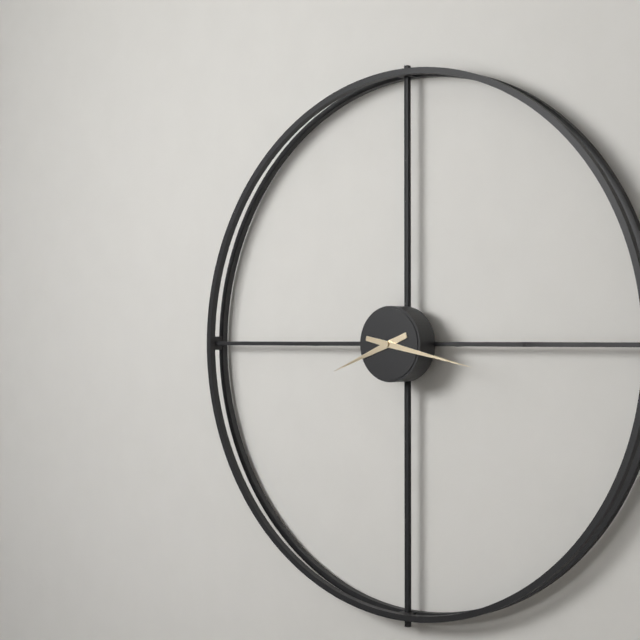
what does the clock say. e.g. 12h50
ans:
8h17
